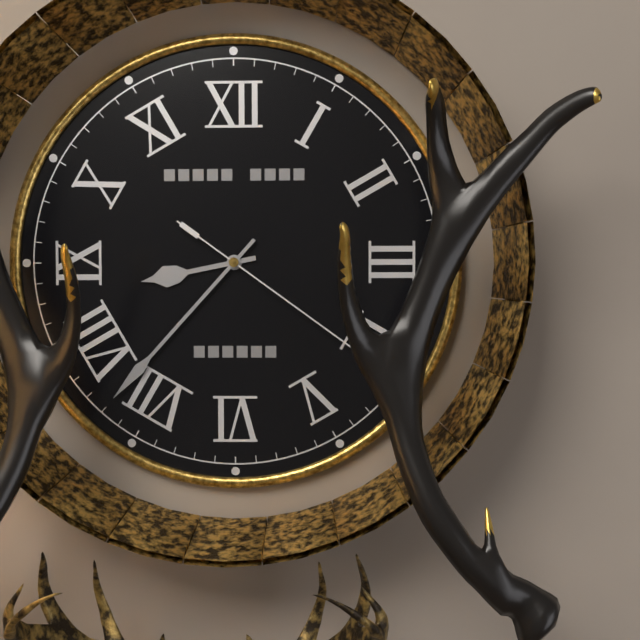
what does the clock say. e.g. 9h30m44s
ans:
8h37m21s
